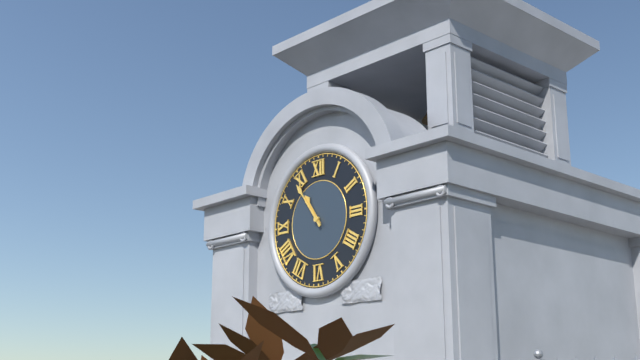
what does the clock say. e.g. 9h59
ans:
10h54
